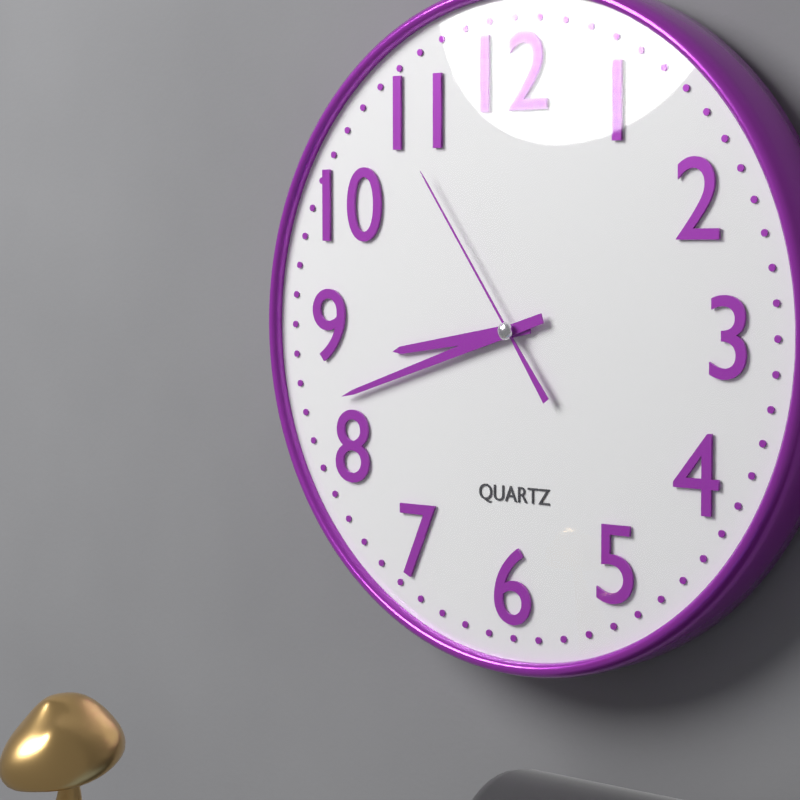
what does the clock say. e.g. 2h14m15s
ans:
8h42m54s
